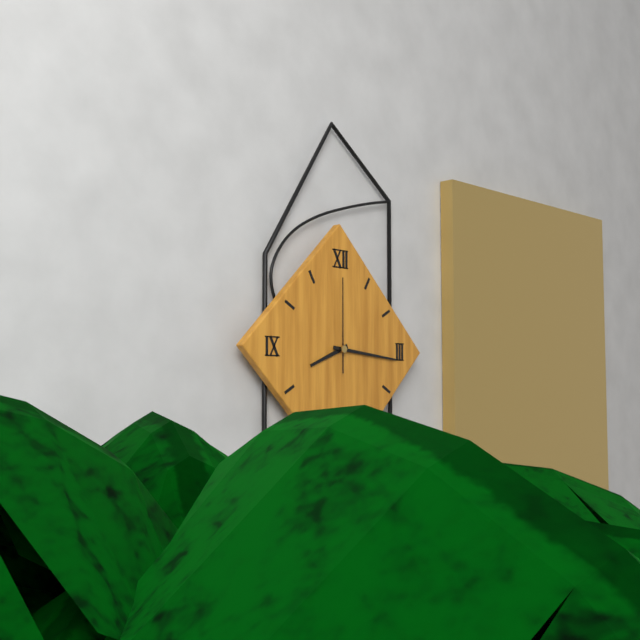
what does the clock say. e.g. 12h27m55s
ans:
8h16m00s
